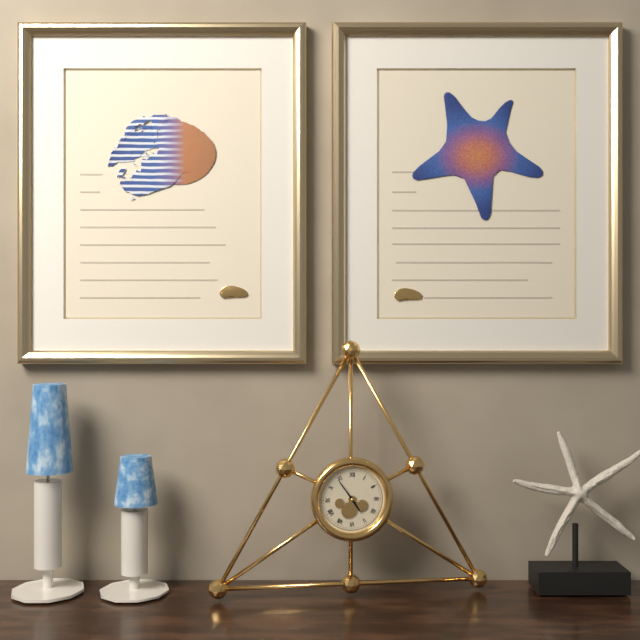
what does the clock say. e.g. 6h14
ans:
4h54
